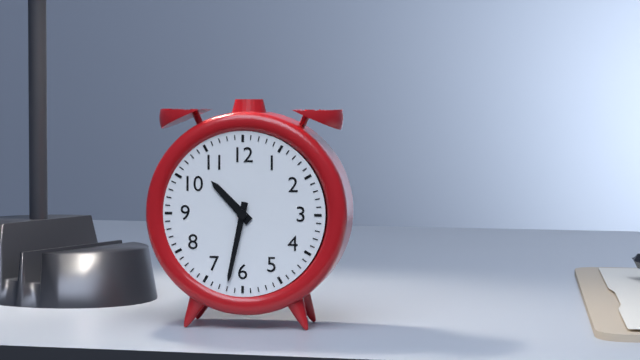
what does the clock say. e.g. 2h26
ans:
10h32
